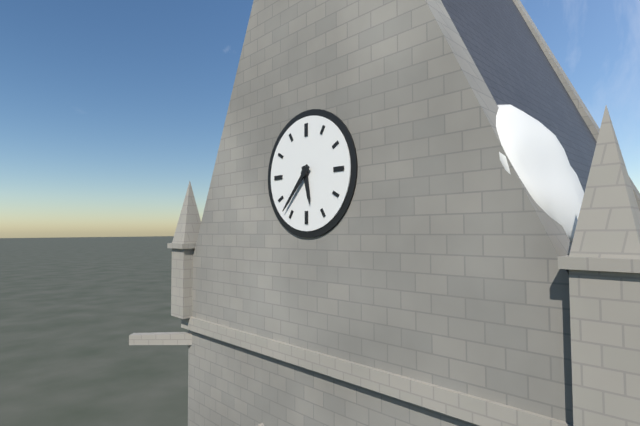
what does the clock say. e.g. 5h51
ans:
5h37
